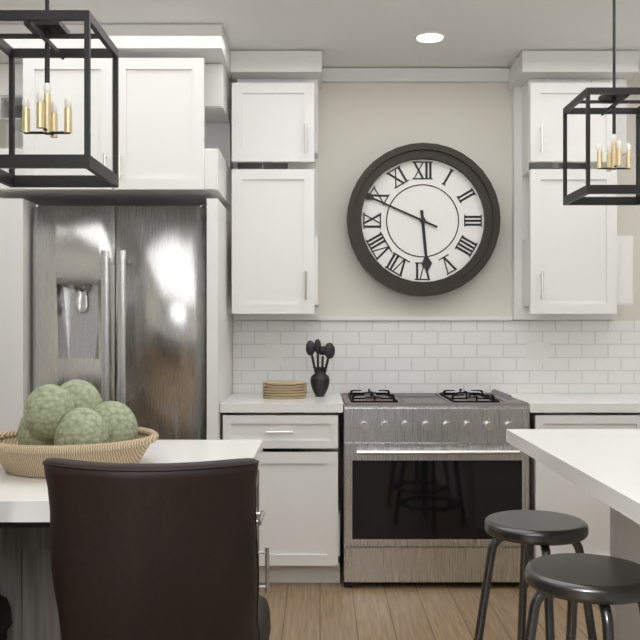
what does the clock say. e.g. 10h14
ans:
5h49
